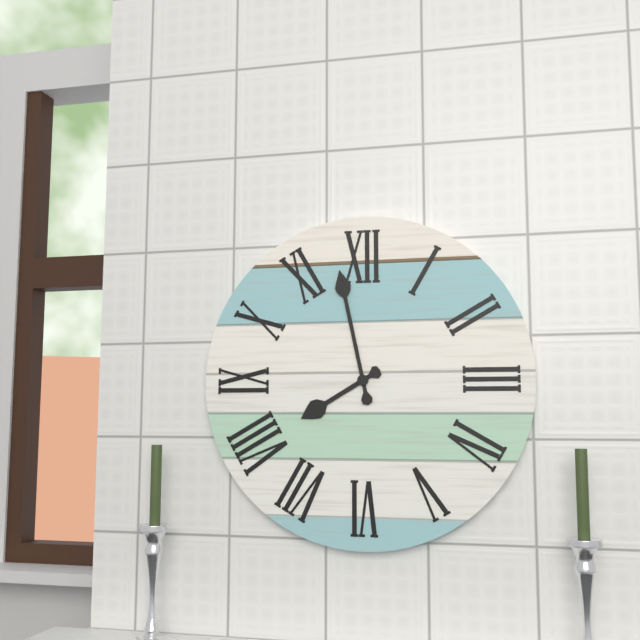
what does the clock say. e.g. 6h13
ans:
7h58
